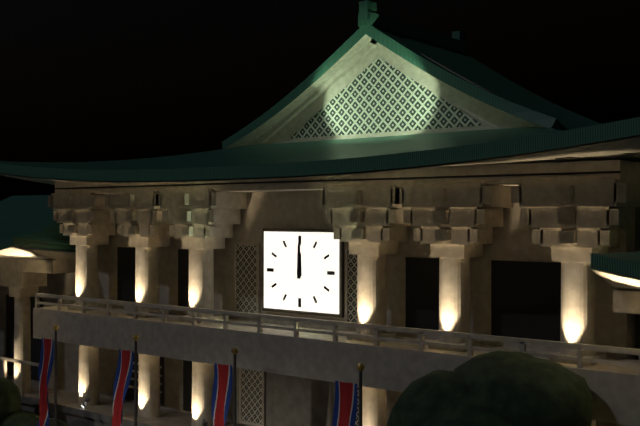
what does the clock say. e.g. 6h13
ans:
12h00
